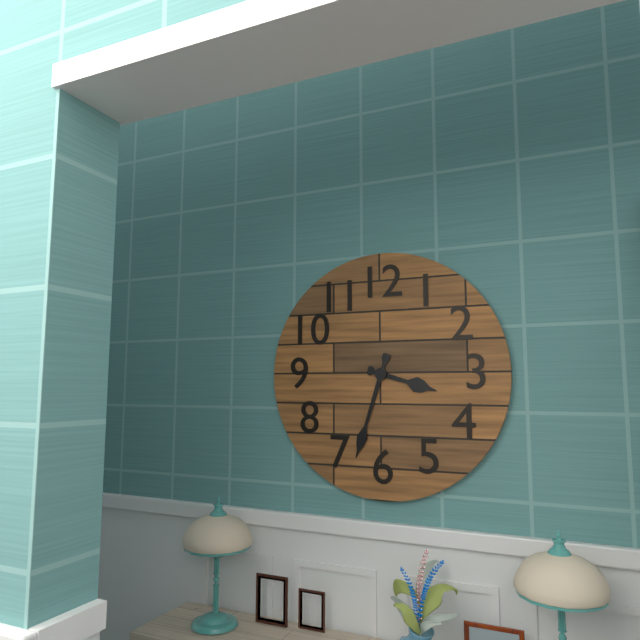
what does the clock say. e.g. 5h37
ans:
3h33
